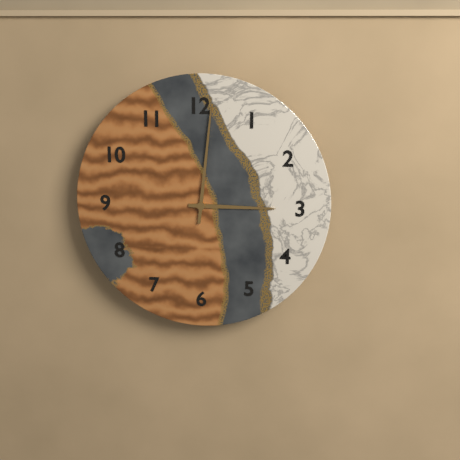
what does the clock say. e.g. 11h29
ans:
3h01
